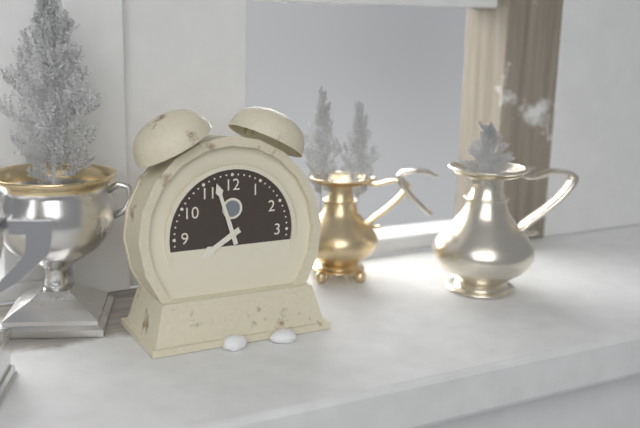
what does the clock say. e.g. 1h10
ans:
7h57
